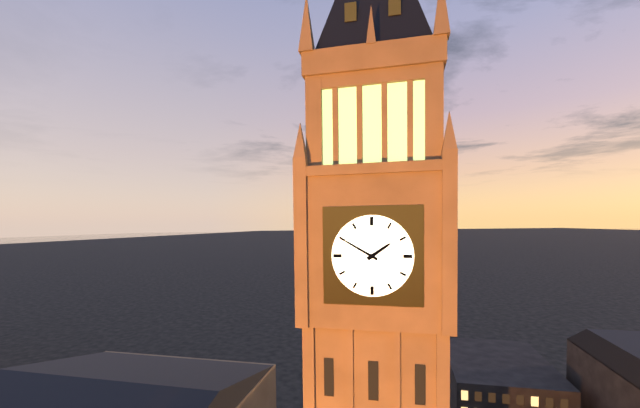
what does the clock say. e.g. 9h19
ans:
1h50
